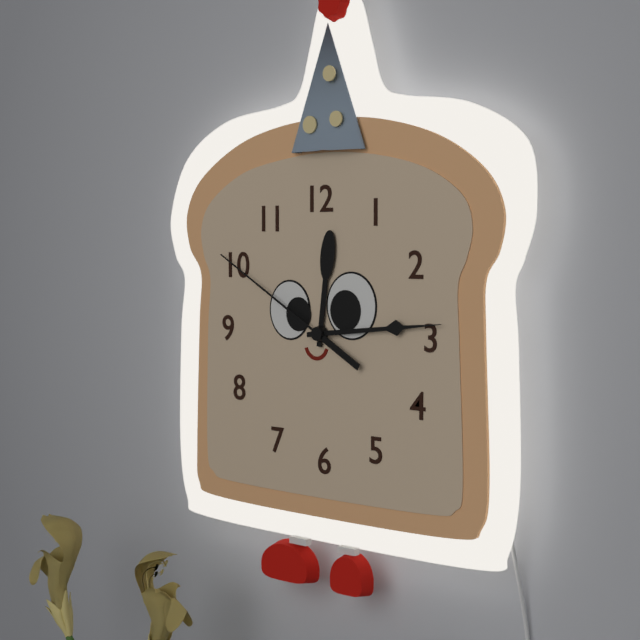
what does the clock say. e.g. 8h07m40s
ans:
12h14m50s
